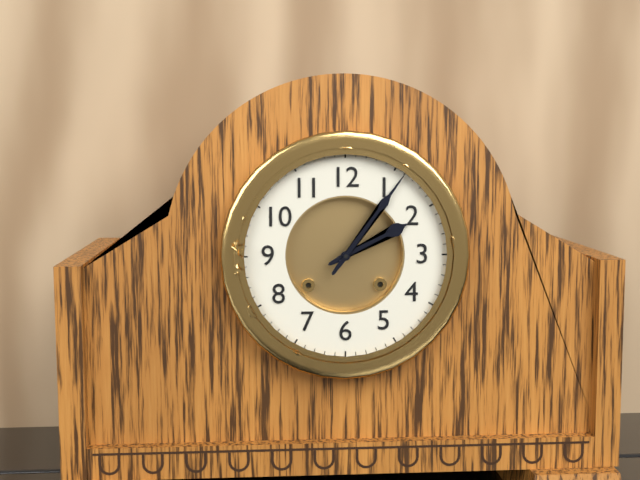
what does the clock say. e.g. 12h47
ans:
2h06
